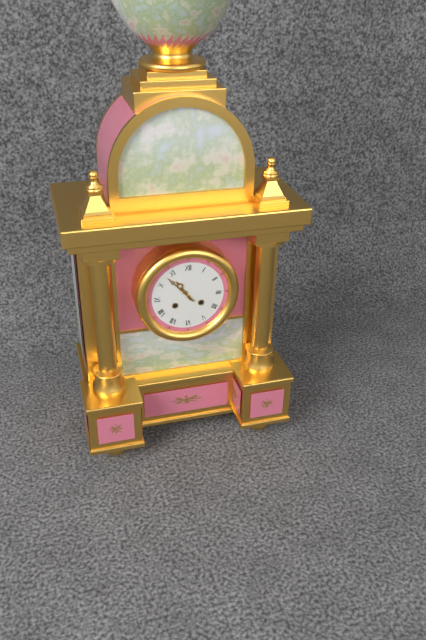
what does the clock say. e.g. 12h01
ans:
10h53
